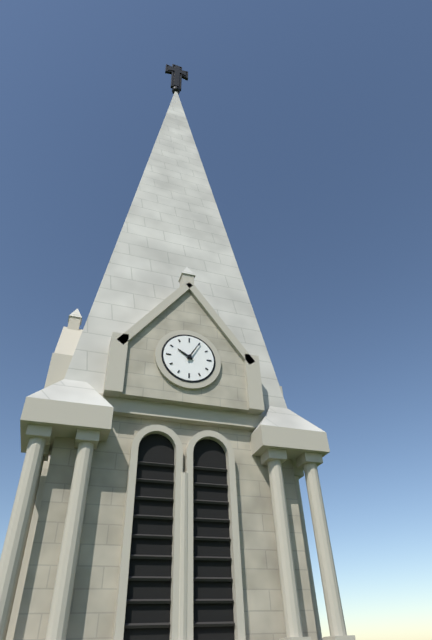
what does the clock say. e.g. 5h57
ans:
10h05
